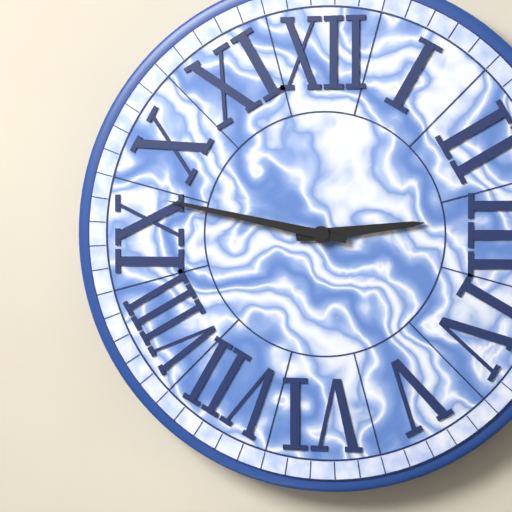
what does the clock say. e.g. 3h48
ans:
2h47
